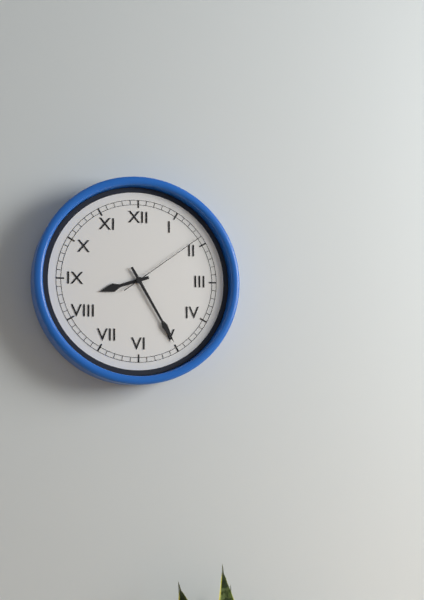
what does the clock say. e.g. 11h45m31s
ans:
8h25m09s
